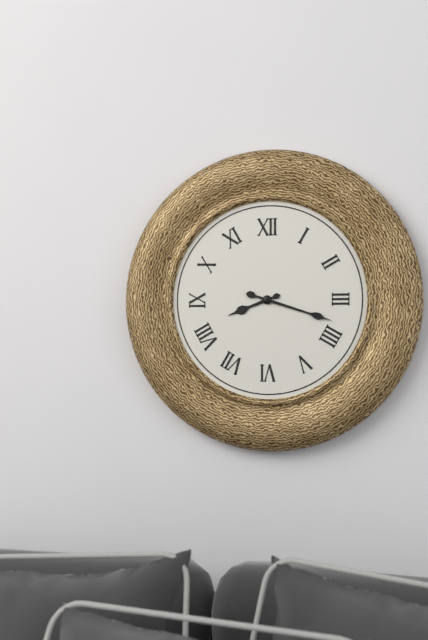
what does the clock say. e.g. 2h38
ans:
8h18
